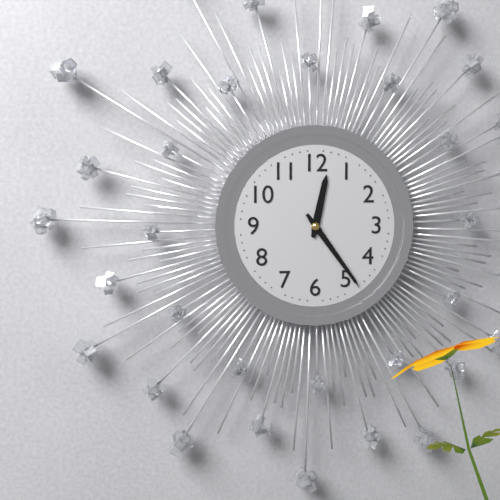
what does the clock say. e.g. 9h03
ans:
12h24
